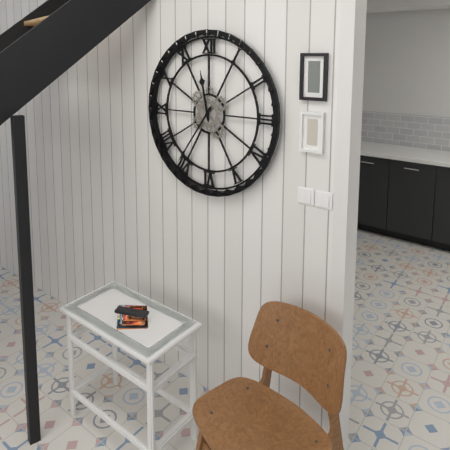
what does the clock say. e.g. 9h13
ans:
11h36
